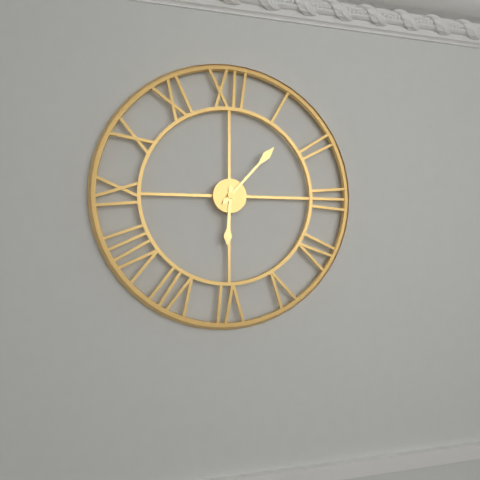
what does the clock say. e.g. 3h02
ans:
6h07
